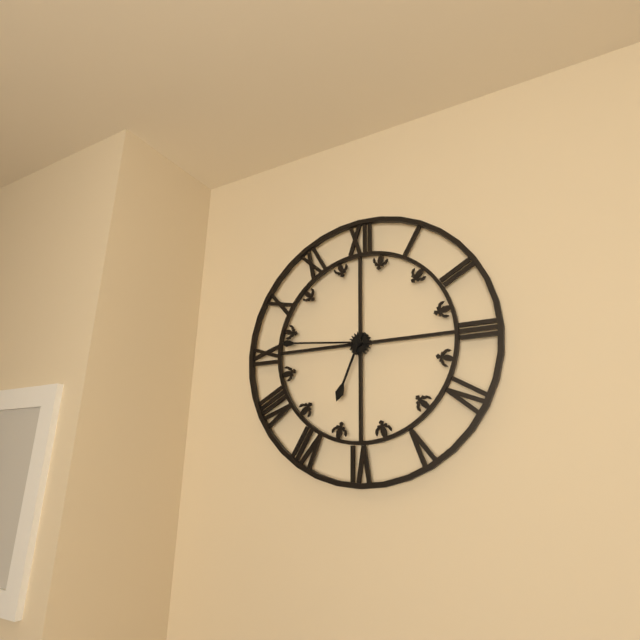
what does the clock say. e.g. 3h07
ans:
6h46
